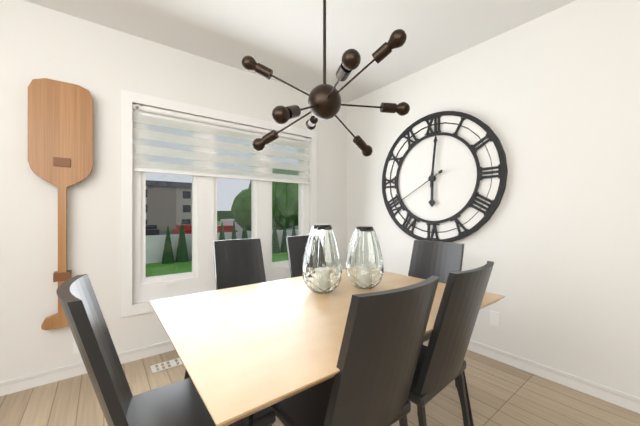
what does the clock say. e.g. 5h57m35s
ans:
6h01m40s
